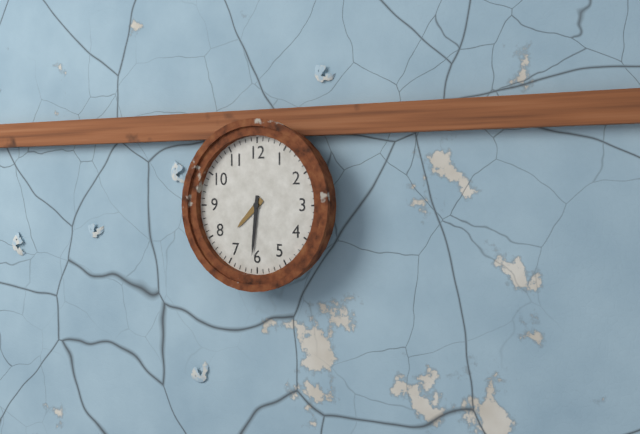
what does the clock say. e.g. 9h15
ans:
7h31
